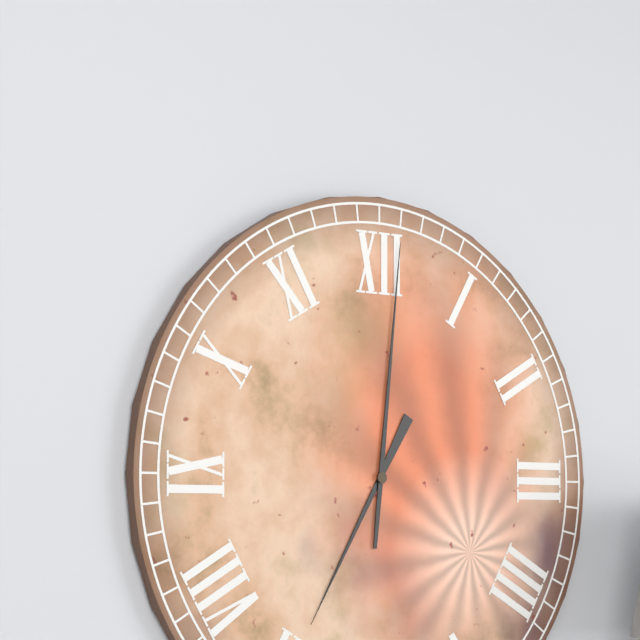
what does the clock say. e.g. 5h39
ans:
7h01
